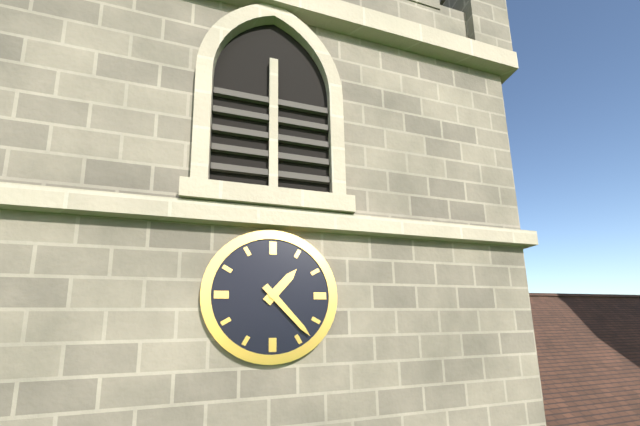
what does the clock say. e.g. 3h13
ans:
1h23
